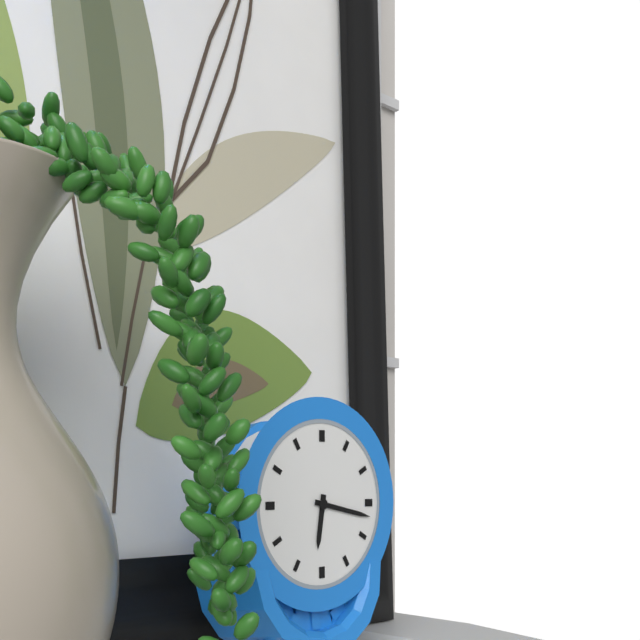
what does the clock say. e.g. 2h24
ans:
6h17
